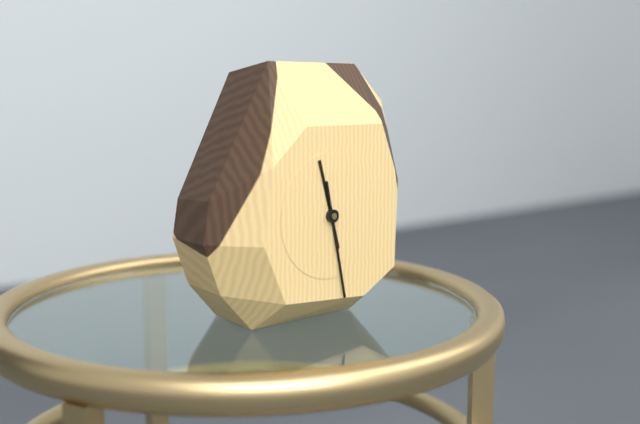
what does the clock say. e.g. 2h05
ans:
11h28
